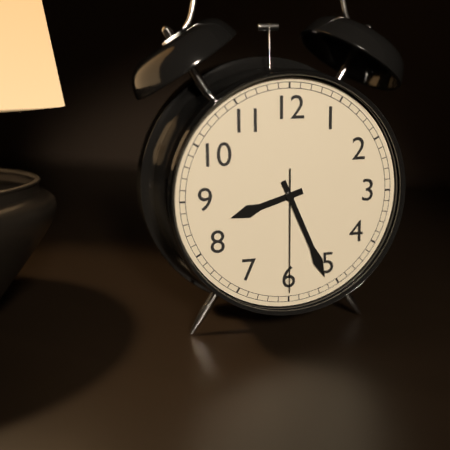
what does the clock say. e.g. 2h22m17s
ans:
8h26m30s
